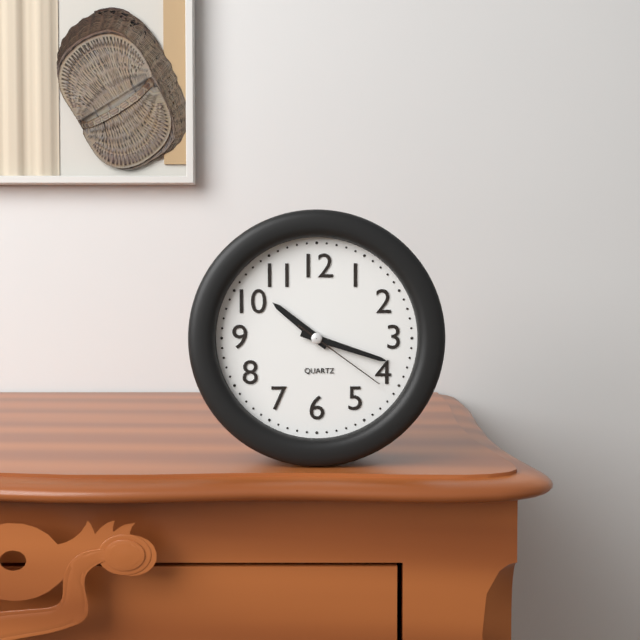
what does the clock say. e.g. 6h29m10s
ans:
10h18m21s
